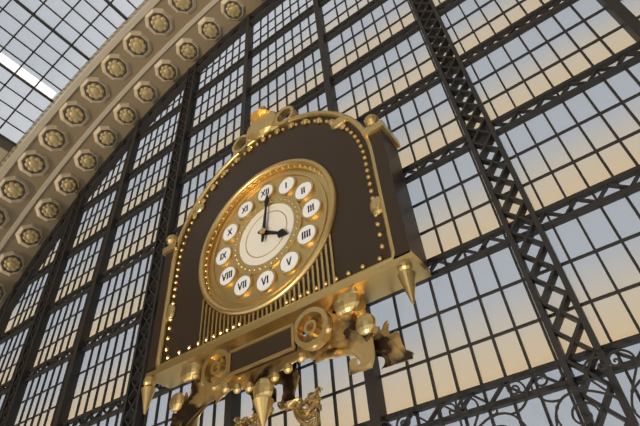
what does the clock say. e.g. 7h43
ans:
4h01
